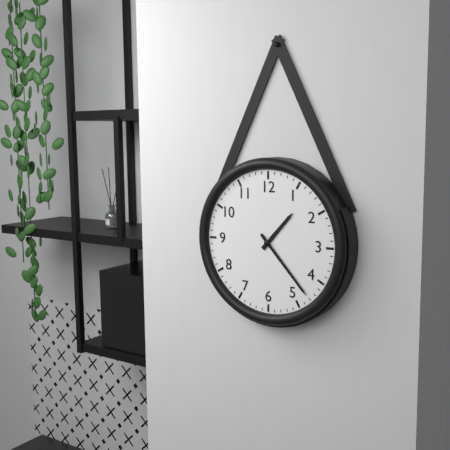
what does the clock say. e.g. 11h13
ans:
1h23
